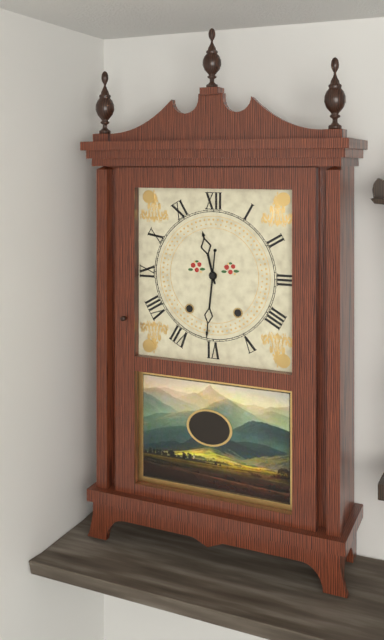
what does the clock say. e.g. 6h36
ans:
11h31
